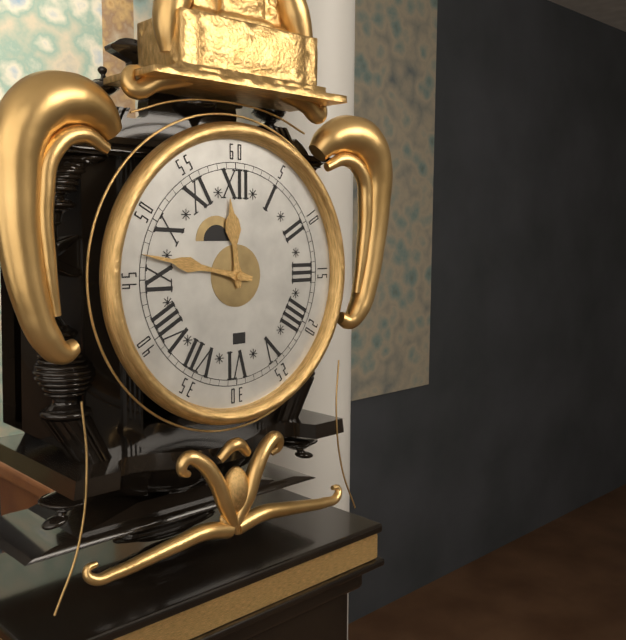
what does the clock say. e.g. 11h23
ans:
11h47
